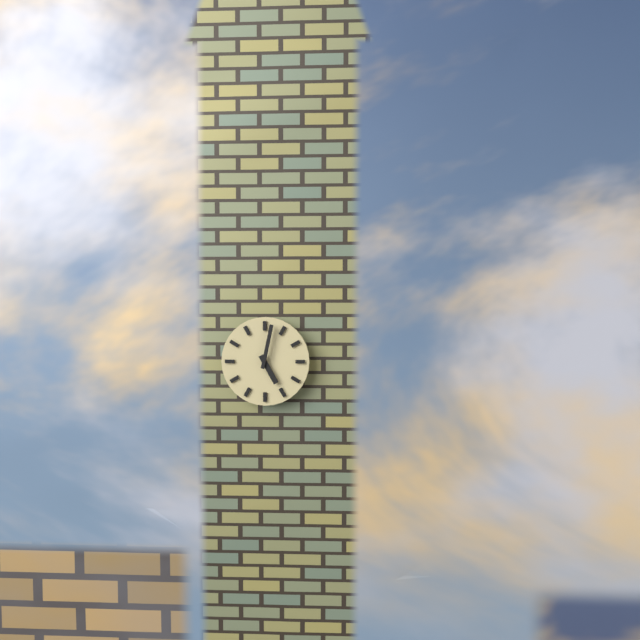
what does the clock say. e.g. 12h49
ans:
5h02
